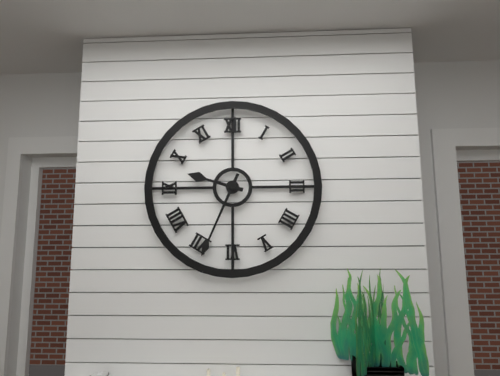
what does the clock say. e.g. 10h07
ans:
9h34
